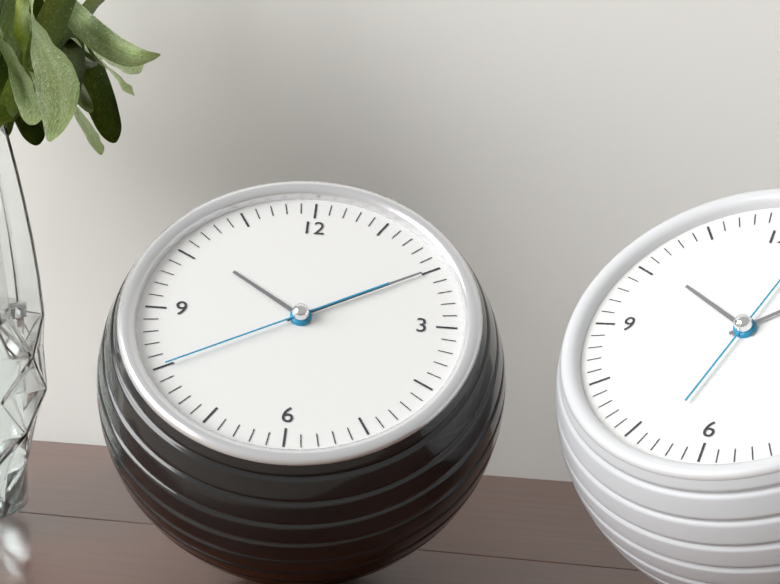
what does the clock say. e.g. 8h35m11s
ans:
10h10m40s
